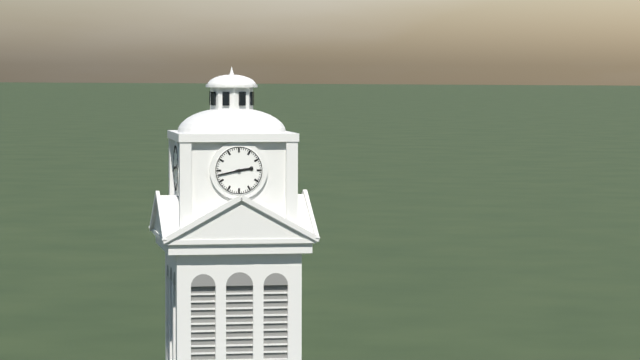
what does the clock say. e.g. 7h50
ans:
2h43
